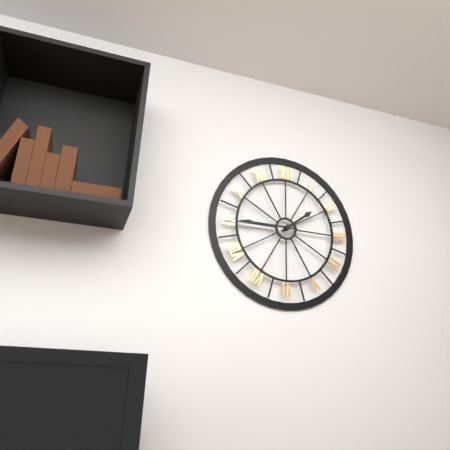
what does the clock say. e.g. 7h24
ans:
1h45
